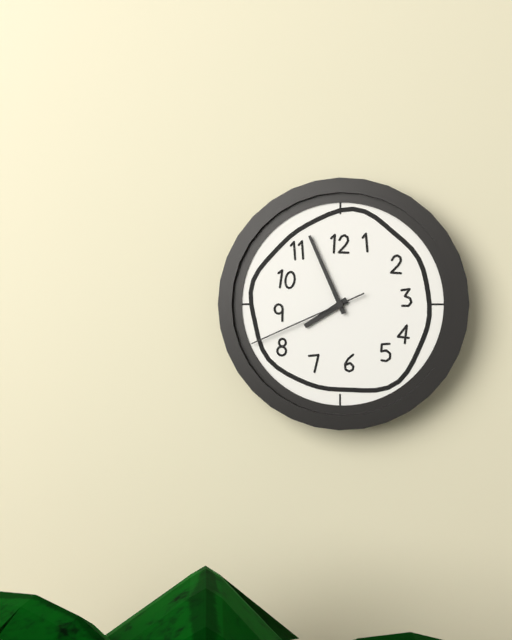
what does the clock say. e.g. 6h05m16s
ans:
7h56m41s
